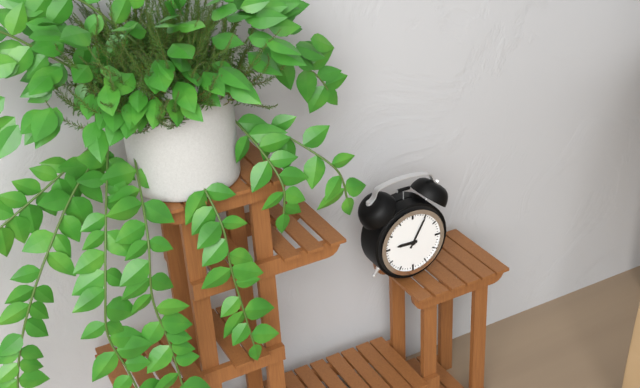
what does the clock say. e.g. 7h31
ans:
9h05
